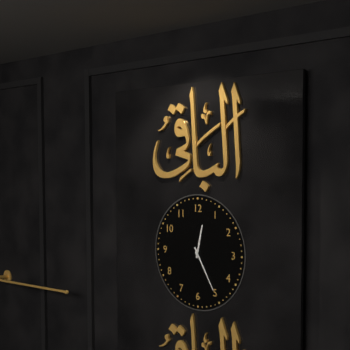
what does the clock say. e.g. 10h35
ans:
12h25
